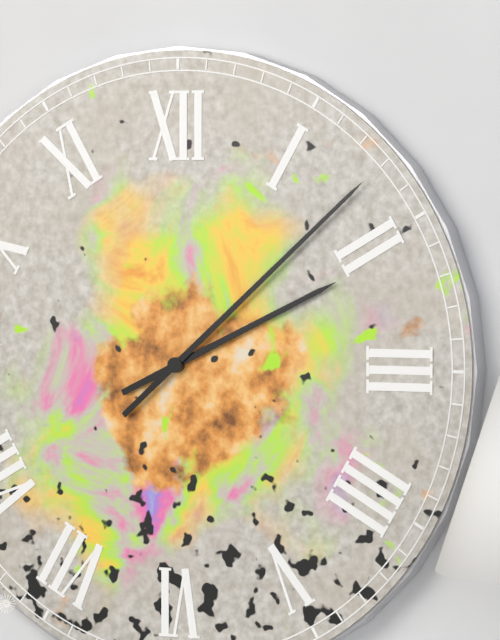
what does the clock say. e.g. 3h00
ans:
2h08
